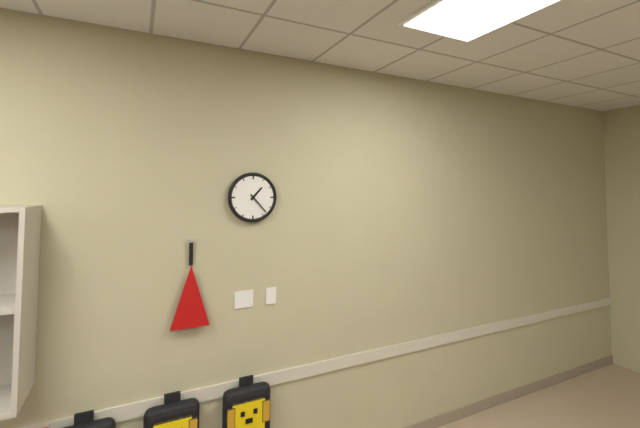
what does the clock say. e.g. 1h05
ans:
1h23
